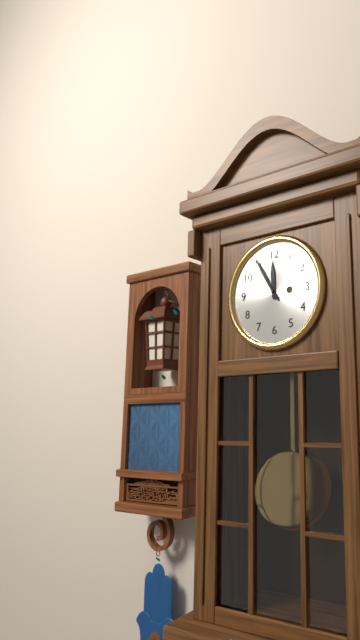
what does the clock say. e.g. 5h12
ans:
11h55
